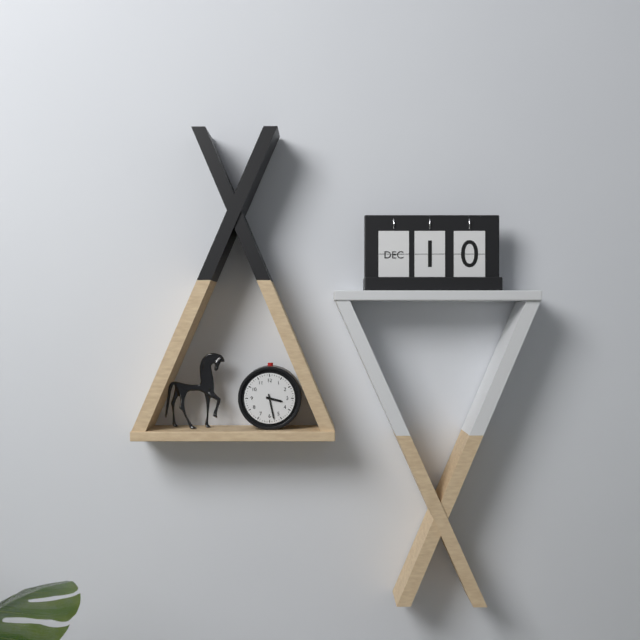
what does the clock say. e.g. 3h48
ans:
3h28
